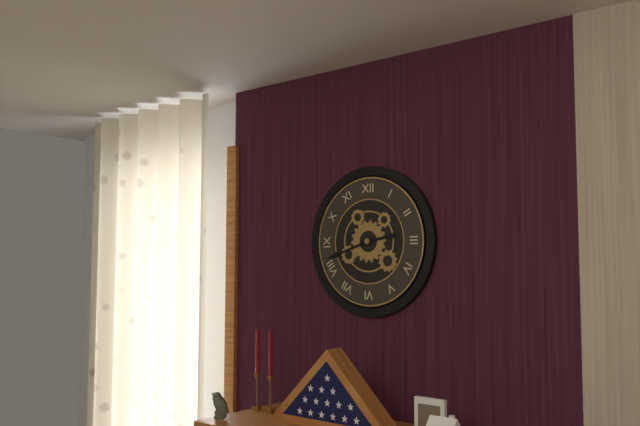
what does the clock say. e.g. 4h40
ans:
2h42
